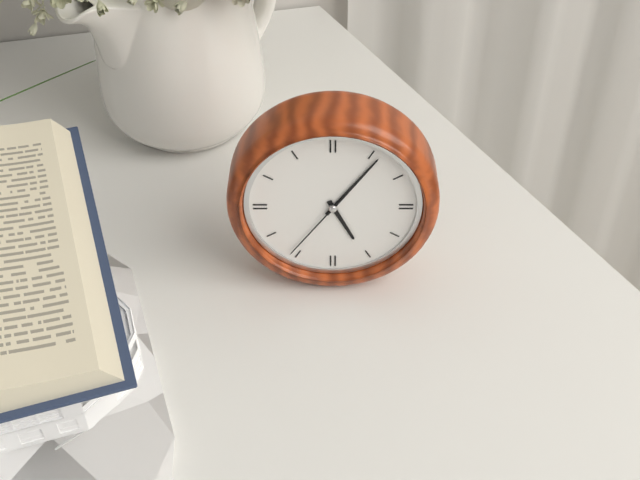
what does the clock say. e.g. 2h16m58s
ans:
5h06m36s
